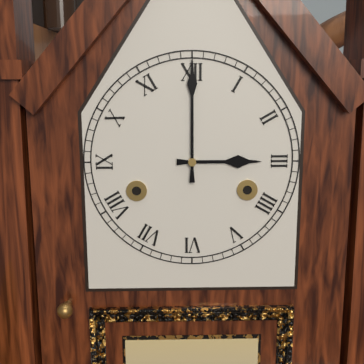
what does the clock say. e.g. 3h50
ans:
3h00
